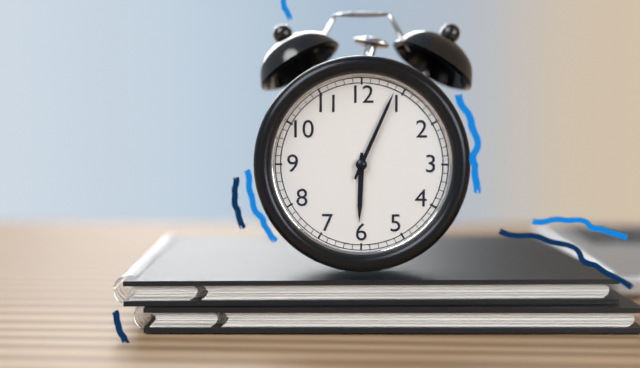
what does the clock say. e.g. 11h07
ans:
6h04
